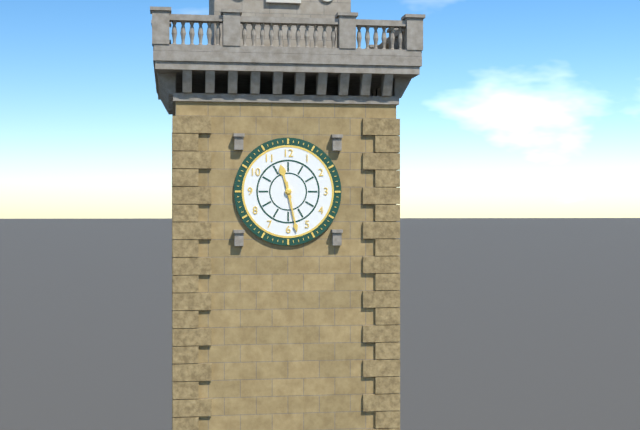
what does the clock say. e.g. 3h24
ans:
11h28
